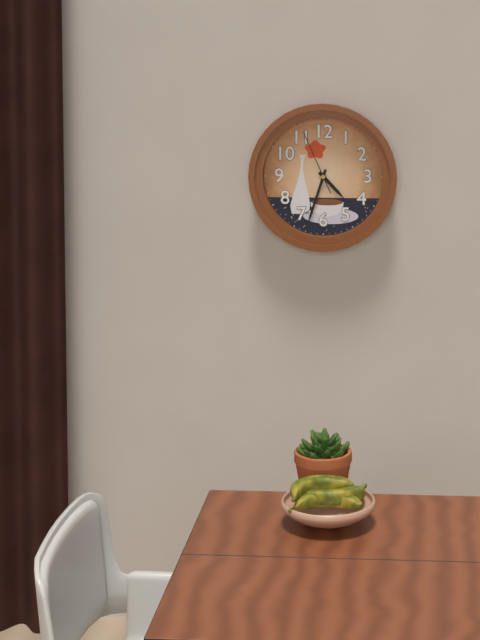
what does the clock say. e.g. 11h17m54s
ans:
4h33m56s
